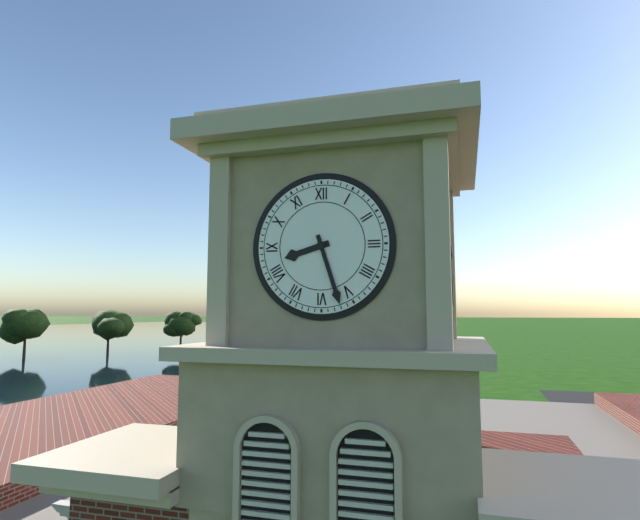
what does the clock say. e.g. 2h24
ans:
8h27
